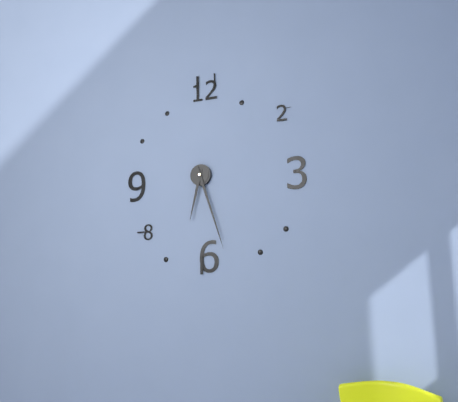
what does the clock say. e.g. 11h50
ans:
6h27
